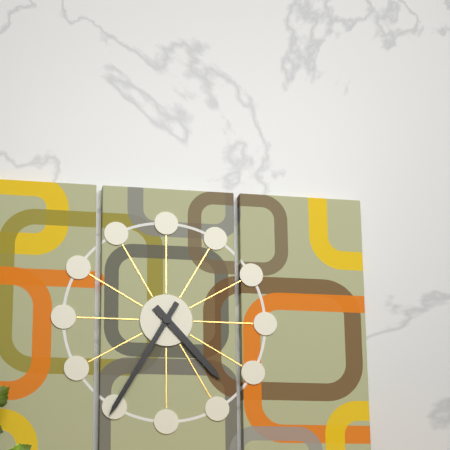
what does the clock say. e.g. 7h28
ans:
4h35
